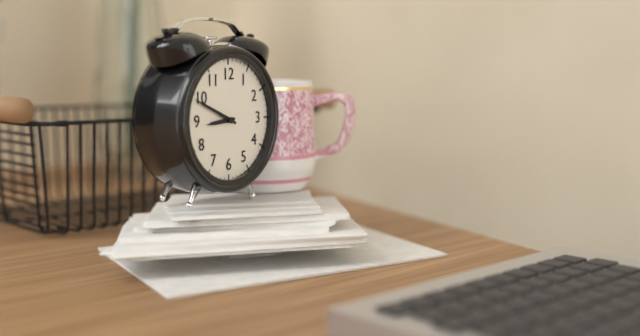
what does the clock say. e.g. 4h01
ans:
8h49
